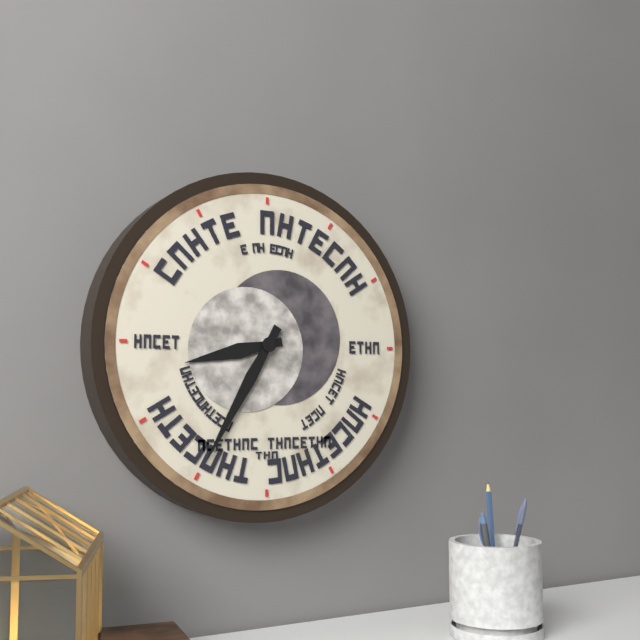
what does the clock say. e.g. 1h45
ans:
8h35
